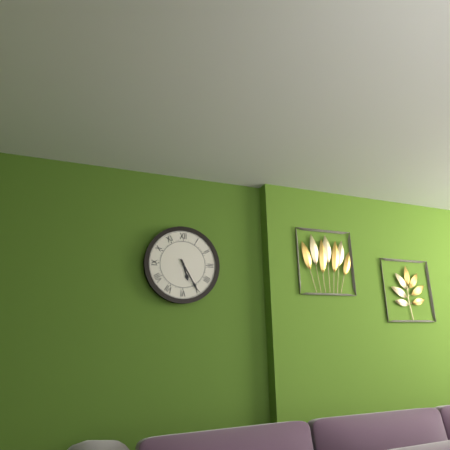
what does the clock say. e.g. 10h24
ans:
5h25
